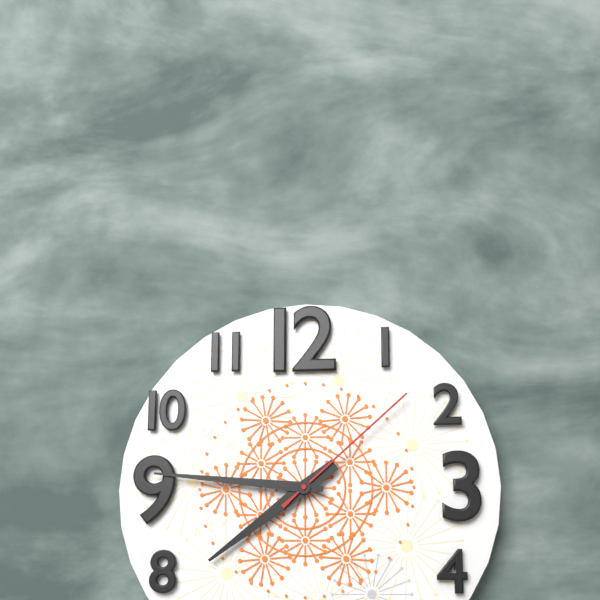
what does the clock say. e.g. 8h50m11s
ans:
7h46m08s
